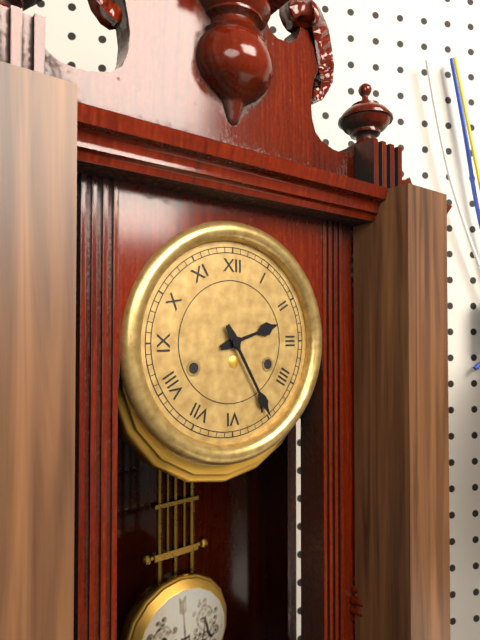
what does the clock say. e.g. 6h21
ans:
2h25
